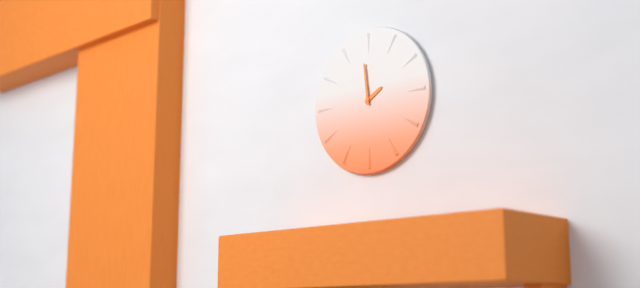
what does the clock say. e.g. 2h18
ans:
1h59
